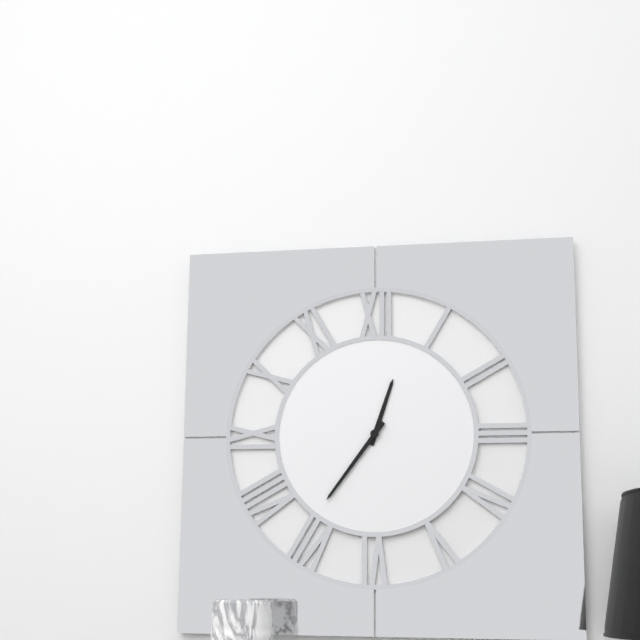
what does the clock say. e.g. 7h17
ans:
12h36
